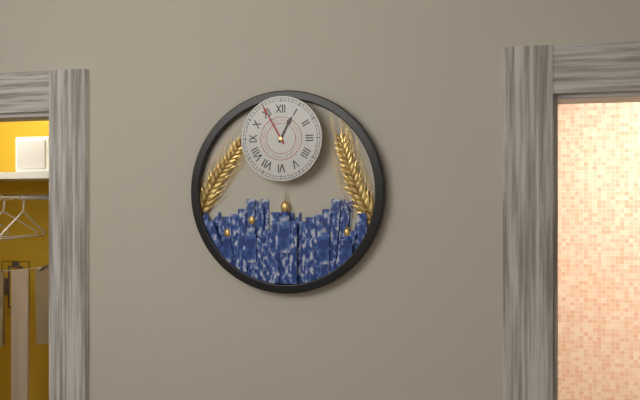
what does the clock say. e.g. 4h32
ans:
12h55
